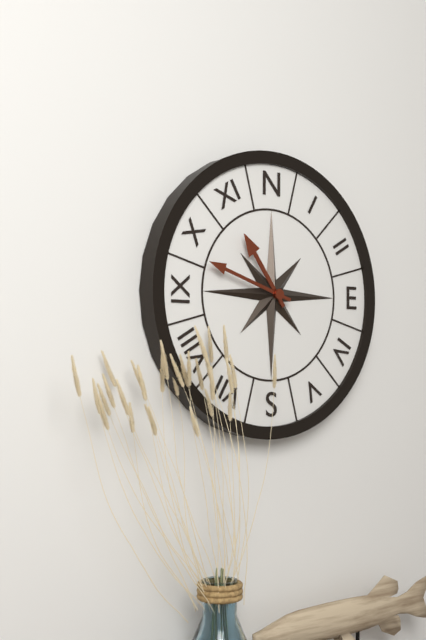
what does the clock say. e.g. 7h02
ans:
10h48
